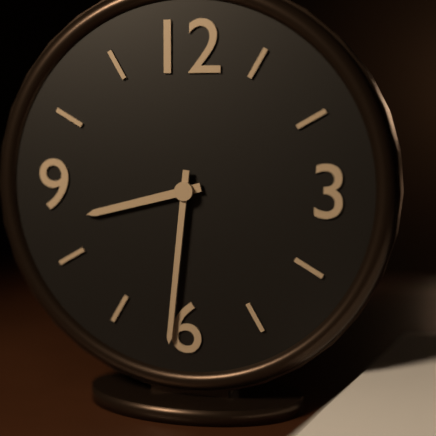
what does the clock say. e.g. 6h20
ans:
8h31
